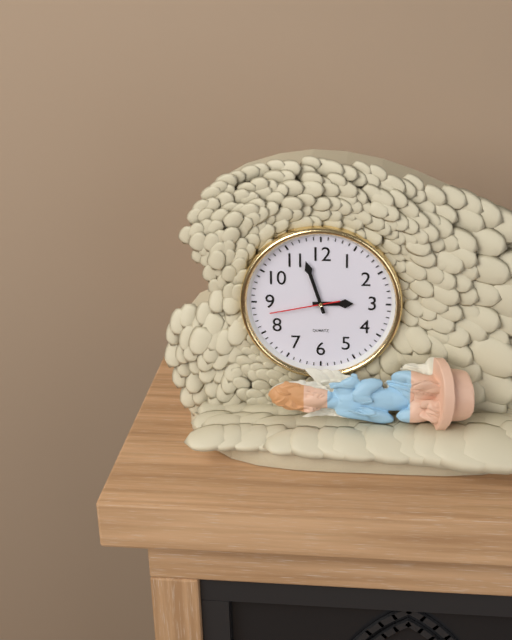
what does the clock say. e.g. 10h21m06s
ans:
2h57m43s
